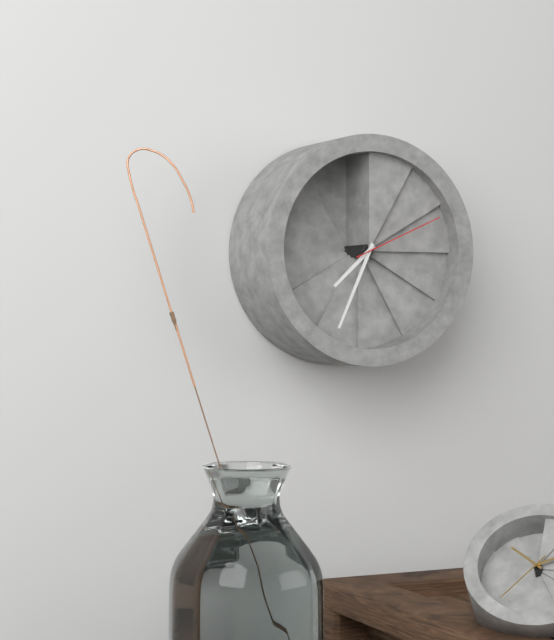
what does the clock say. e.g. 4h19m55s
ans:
7h34m11s
